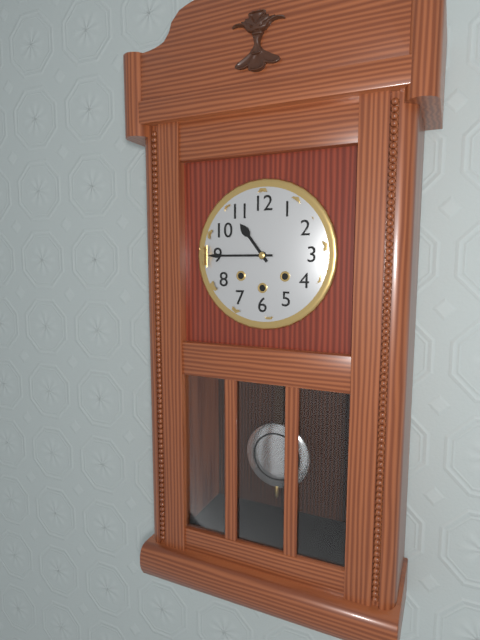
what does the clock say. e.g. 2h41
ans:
10h45
